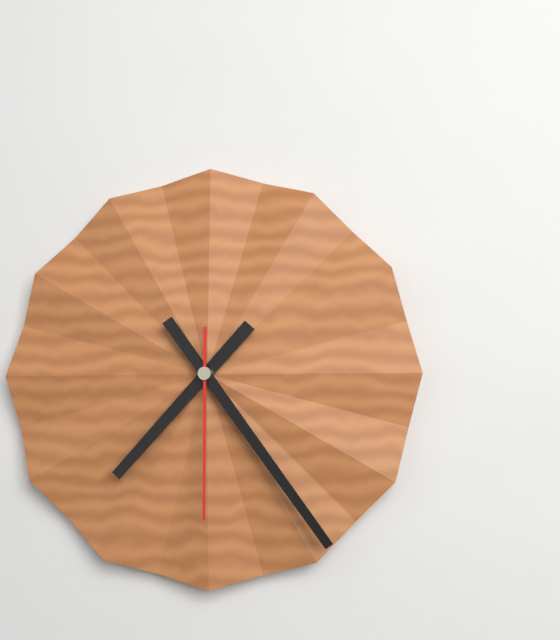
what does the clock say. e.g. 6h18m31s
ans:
7h24m30s
